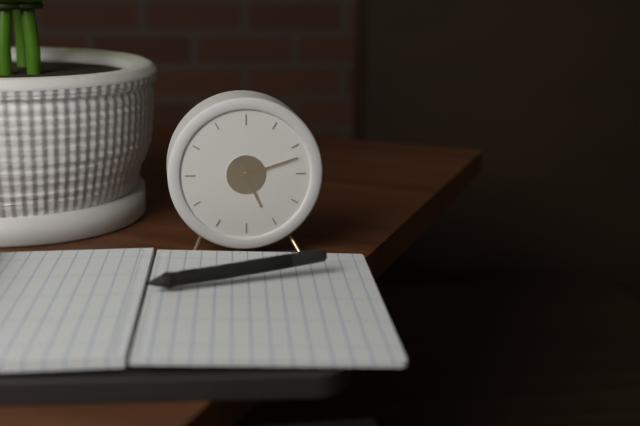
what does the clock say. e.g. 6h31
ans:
5h12
